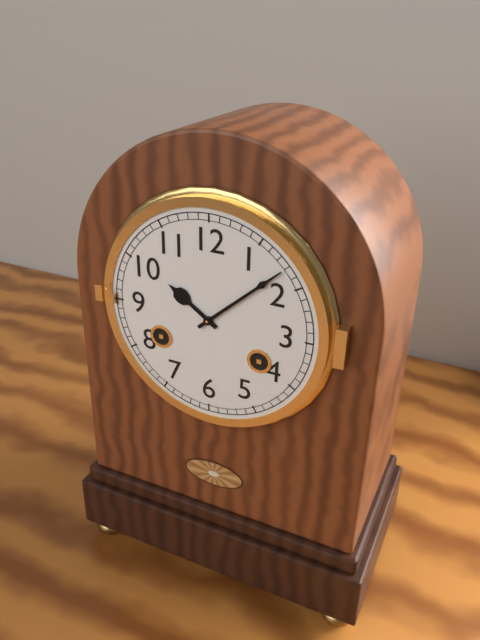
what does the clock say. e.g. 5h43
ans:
10h08
